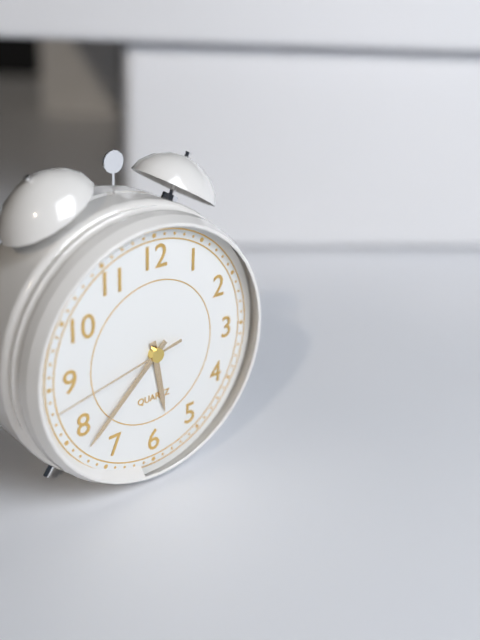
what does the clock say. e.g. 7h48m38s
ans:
5h38m43s
